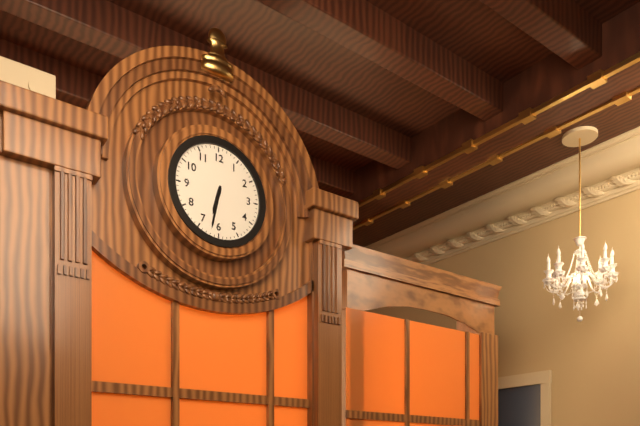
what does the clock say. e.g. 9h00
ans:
6h32
